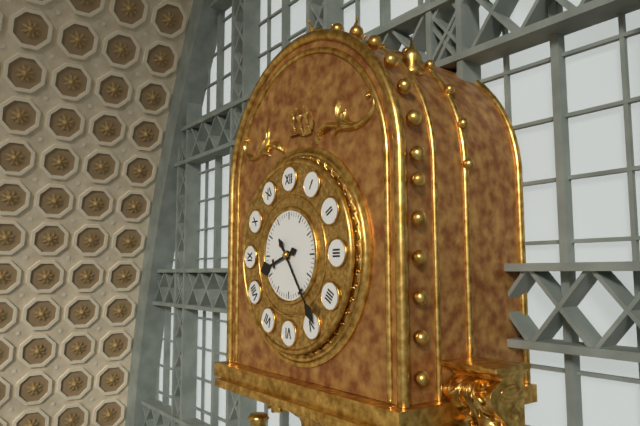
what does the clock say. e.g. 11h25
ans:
8h24
